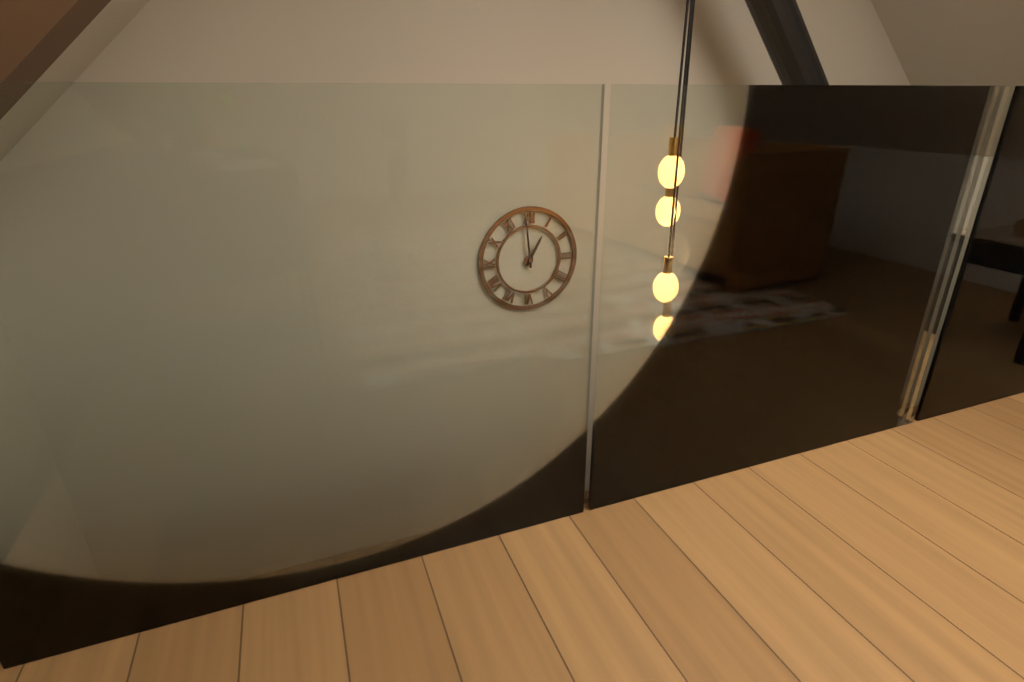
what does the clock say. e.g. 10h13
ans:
12h59
